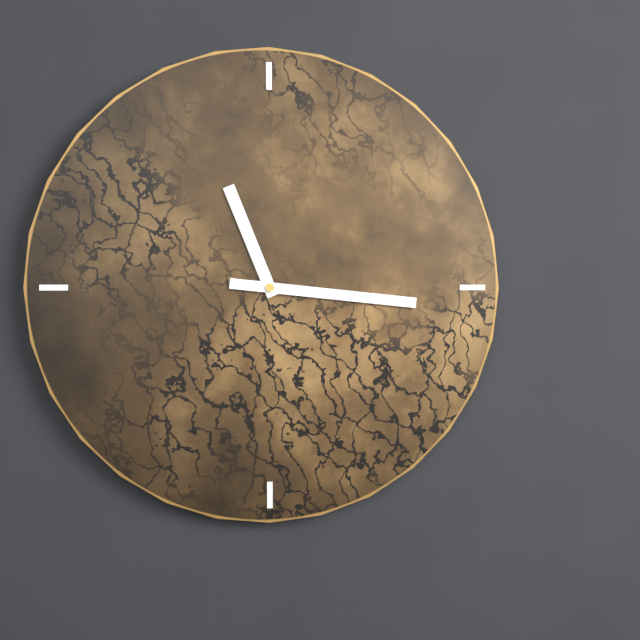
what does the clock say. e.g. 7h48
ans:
11h16
